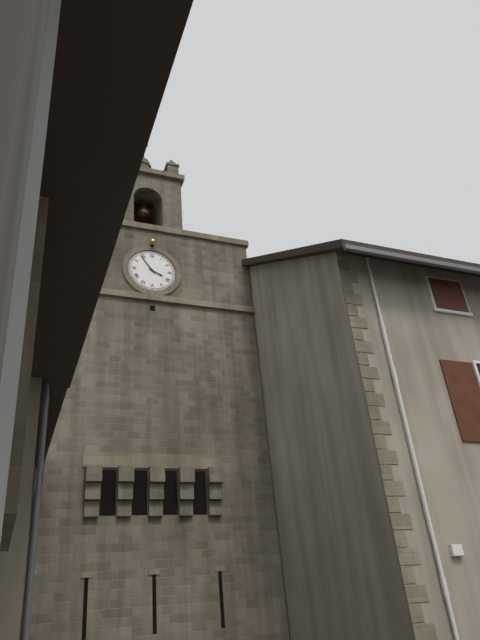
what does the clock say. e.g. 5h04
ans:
3h54
